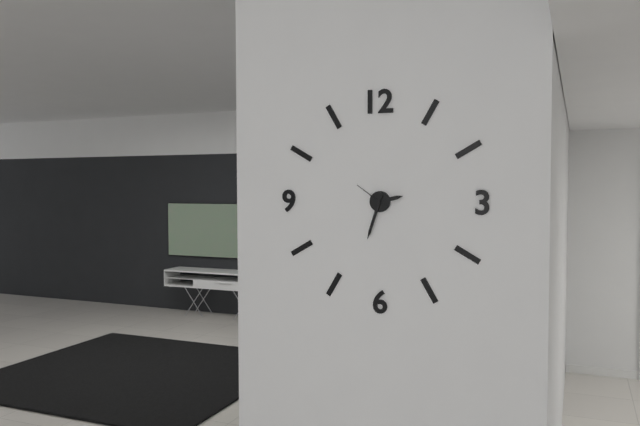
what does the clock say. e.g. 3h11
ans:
2h33
